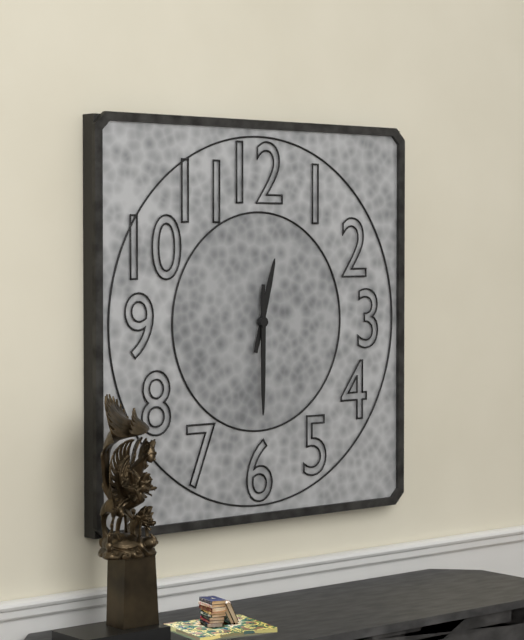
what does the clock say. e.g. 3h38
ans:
12h30
